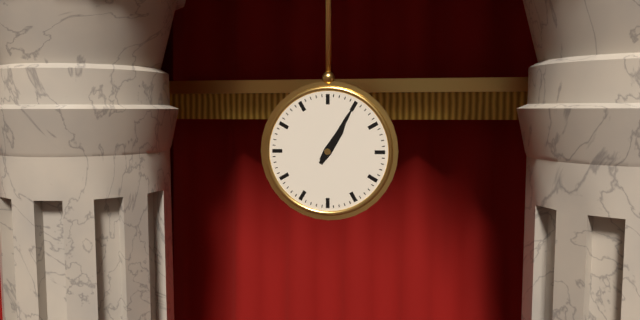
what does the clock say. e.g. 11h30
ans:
1h05
